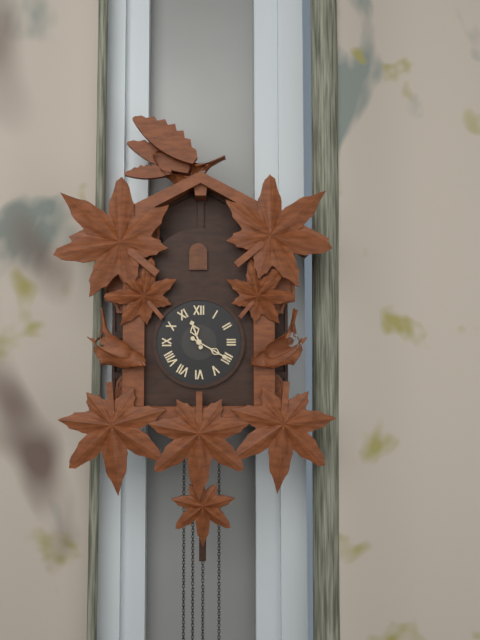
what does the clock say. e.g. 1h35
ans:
11h20
